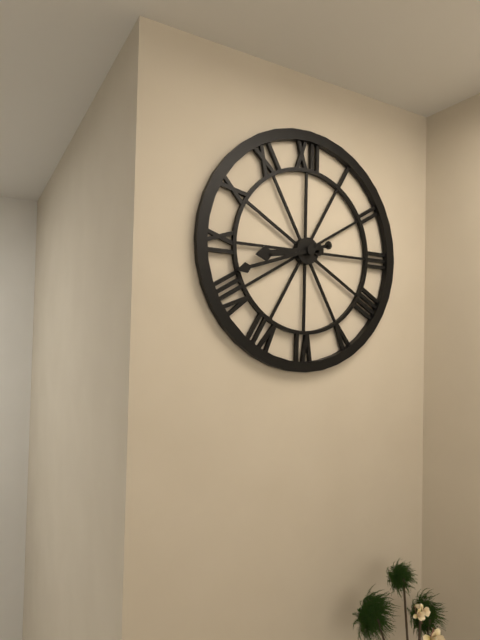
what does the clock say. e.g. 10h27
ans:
8h42
